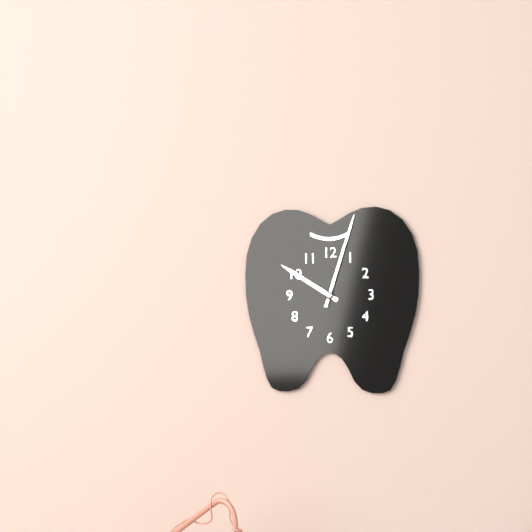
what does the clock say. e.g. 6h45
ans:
10h03
